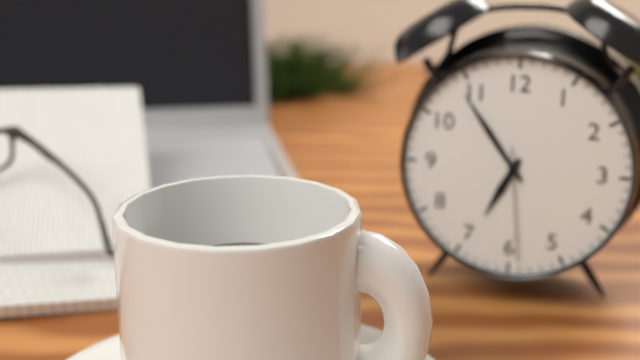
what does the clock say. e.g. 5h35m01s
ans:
6h54m29s
